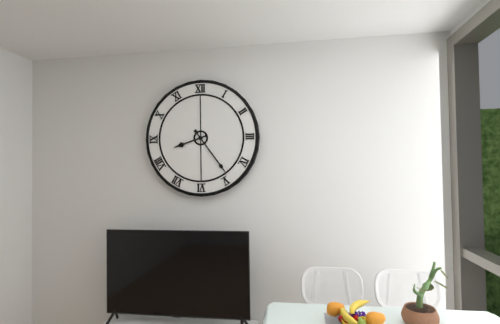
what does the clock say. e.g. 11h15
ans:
8h24
